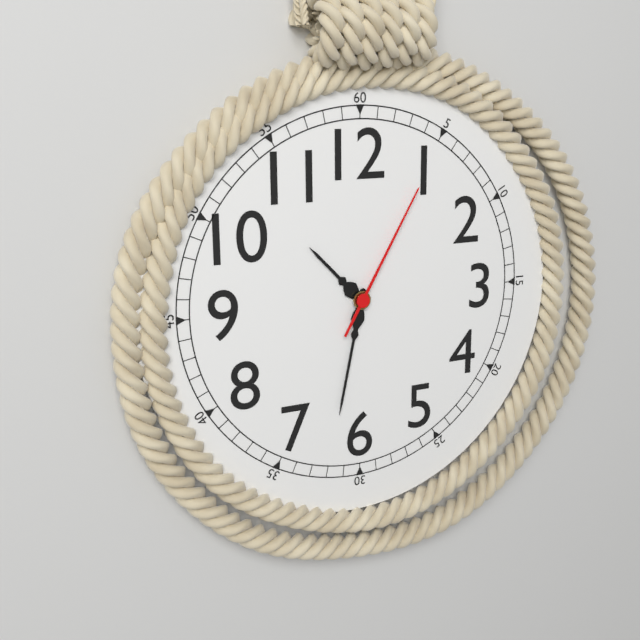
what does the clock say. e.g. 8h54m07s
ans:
10h32m05s
